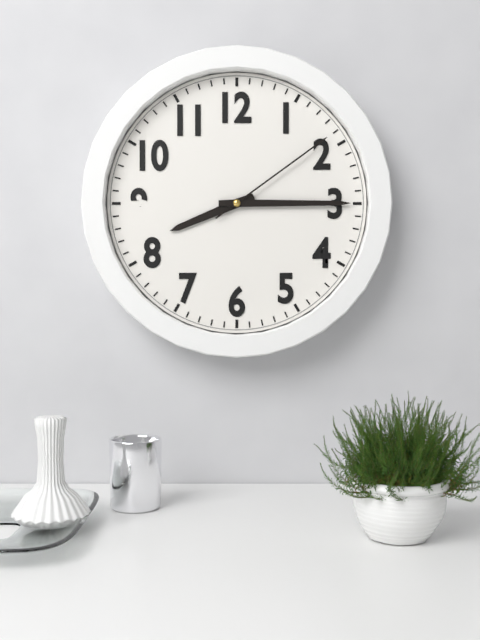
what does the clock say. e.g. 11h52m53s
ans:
8h15m09s
